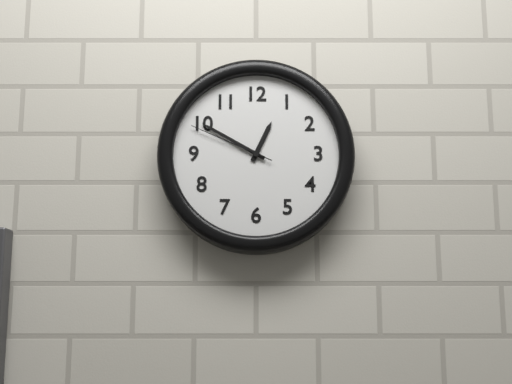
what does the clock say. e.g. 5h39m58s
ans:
12h50m49s
